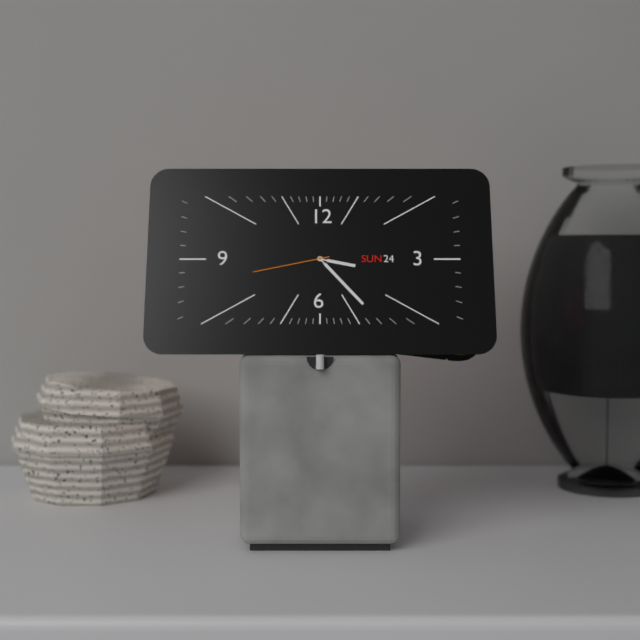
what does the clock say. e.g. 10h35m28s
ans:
3h23m43s
